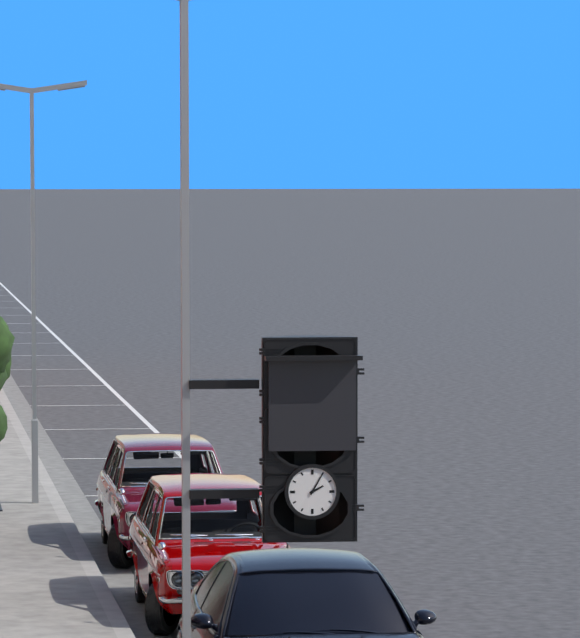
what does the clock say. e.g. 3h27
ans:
2h05
